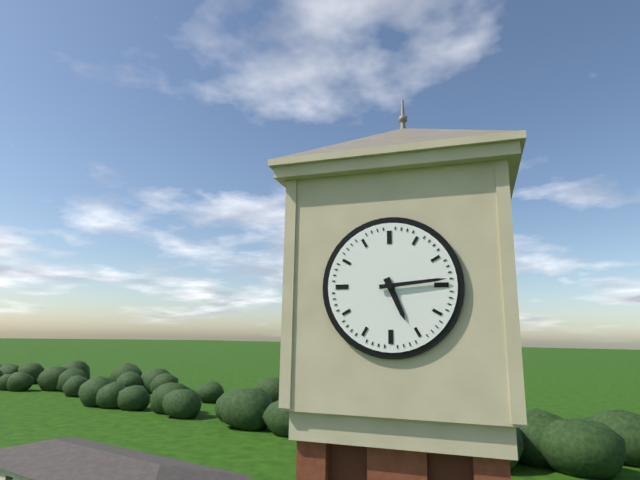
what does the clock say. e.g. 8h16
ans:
5h14
